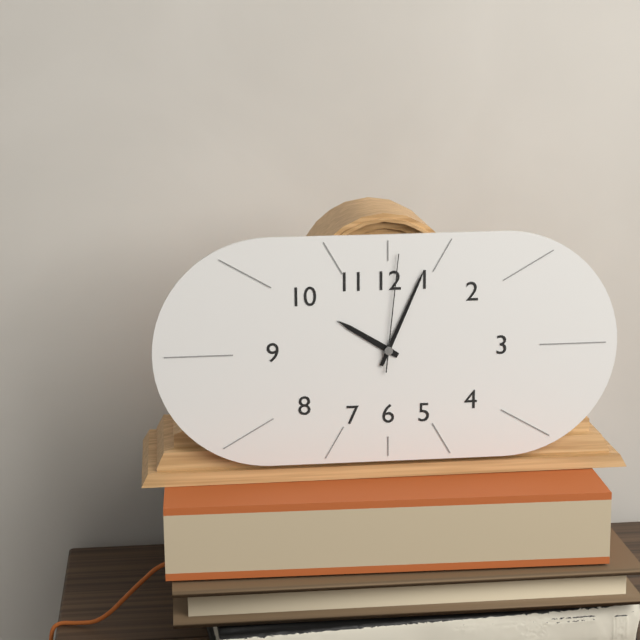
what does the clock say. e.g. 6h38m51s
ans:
10h04m01s
